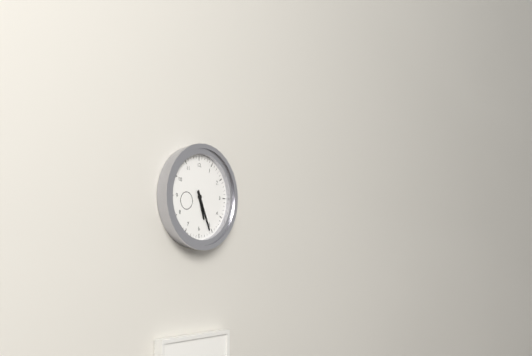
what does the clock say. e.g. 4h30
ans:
5h26
